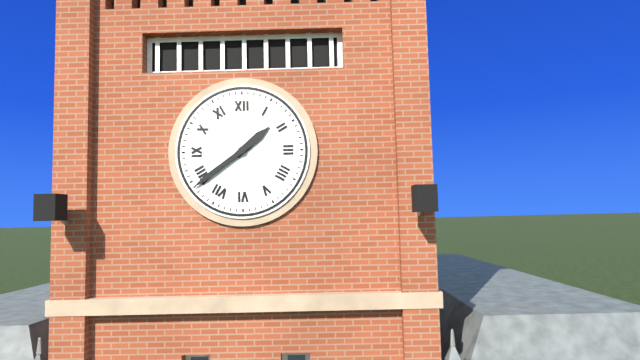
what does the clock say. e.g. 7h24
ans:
1h39
